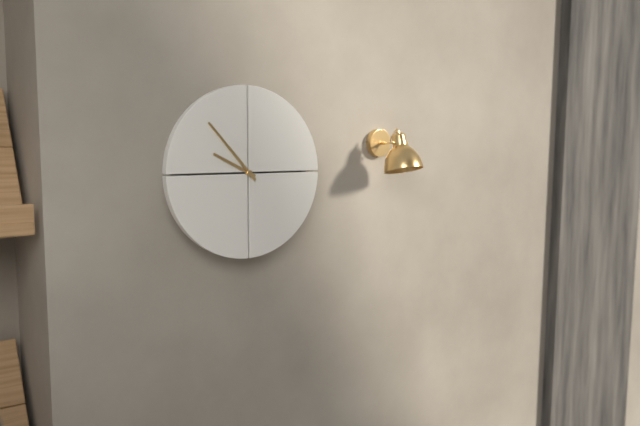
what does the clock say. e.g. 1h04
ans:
9h53
